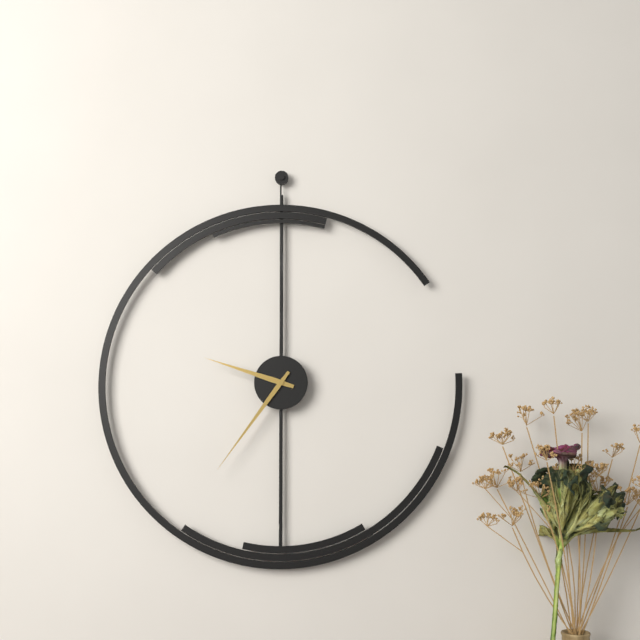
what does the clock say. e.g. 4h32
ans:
9h36
